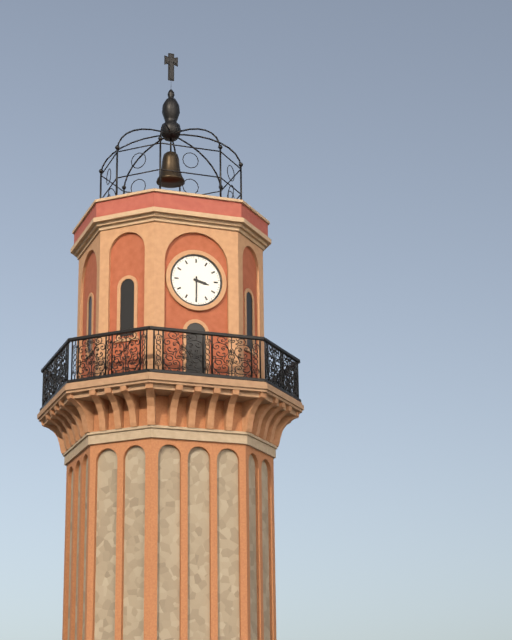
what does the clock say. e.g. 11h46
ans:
3h30
